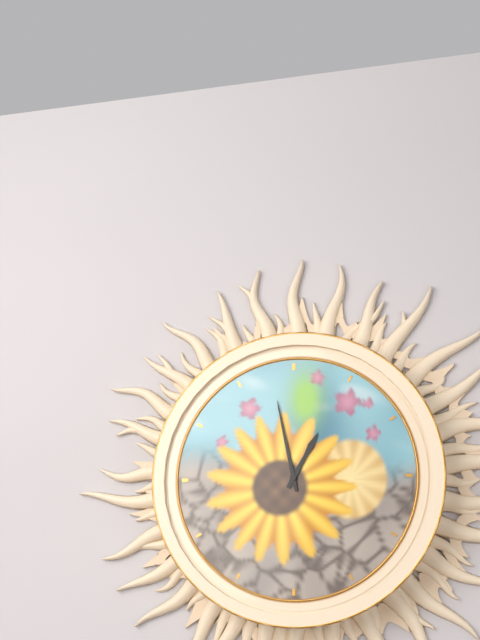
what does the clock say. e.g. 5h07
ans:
12h58
